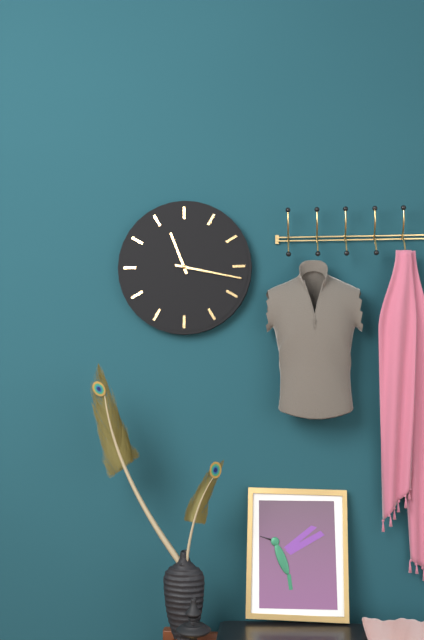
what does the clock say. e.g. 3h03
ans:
11h17
